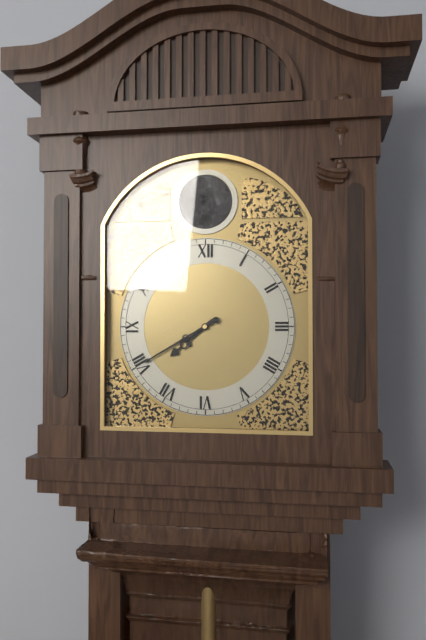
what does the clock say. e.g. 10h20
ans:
7h40
